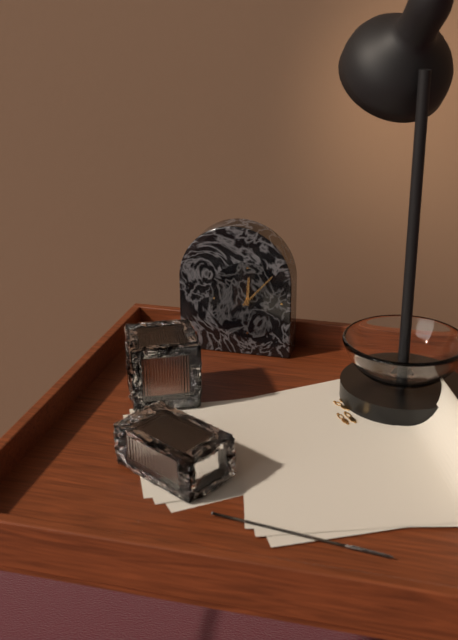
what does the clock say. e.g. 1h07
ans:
12h07
